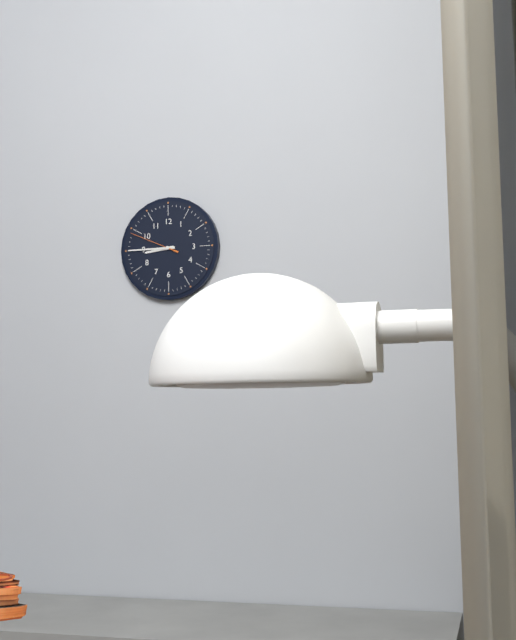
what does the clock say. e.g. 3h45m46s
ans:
8h45m49s
